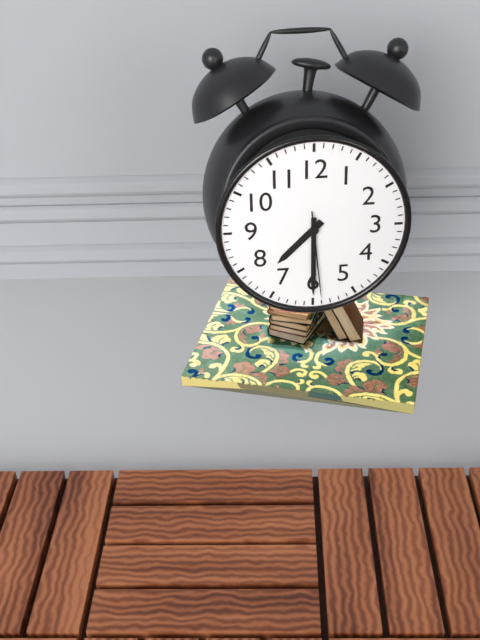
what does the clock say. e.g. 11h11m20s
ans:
7h30m29s
